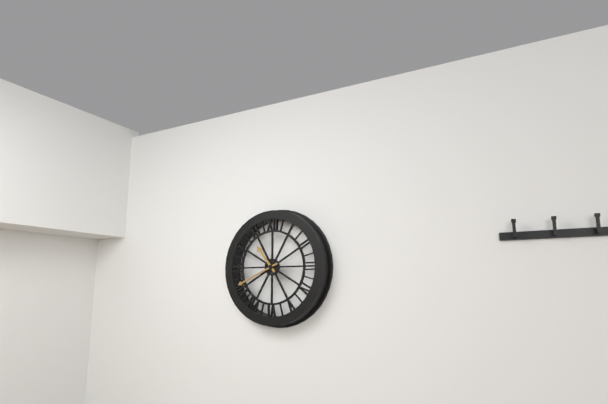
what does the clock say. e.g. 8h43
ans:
10h41
